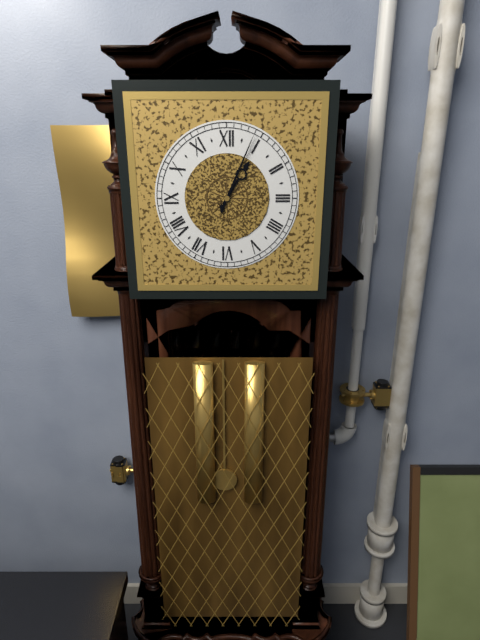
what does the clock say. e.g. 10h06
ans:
1h04
